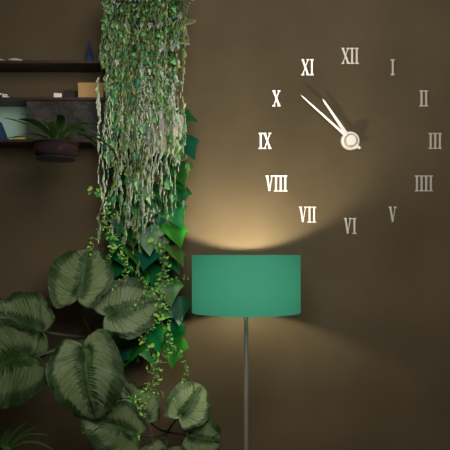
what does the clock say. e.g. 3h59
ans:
10h52
